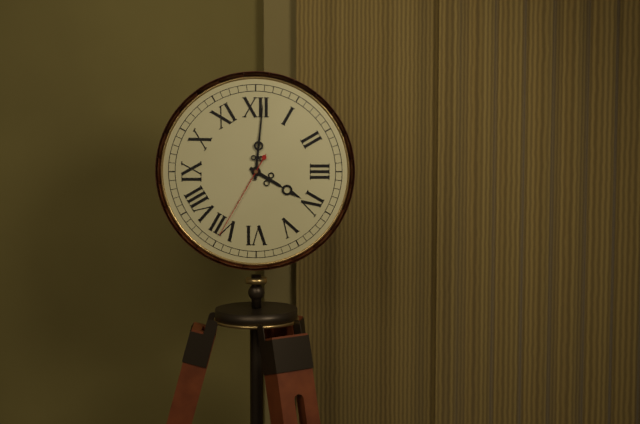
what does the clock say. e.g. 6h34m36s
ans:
4h01m35s
